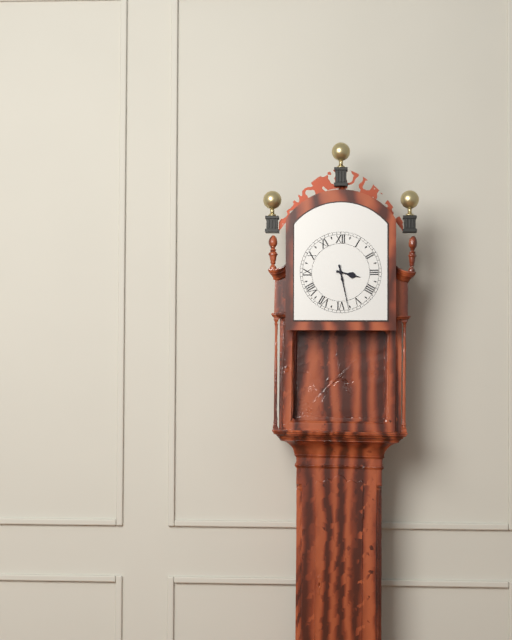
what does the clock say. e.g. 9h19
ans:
3h28
